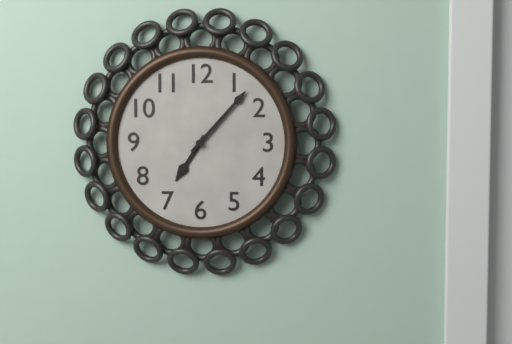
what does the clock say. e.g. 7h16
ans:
7h07
